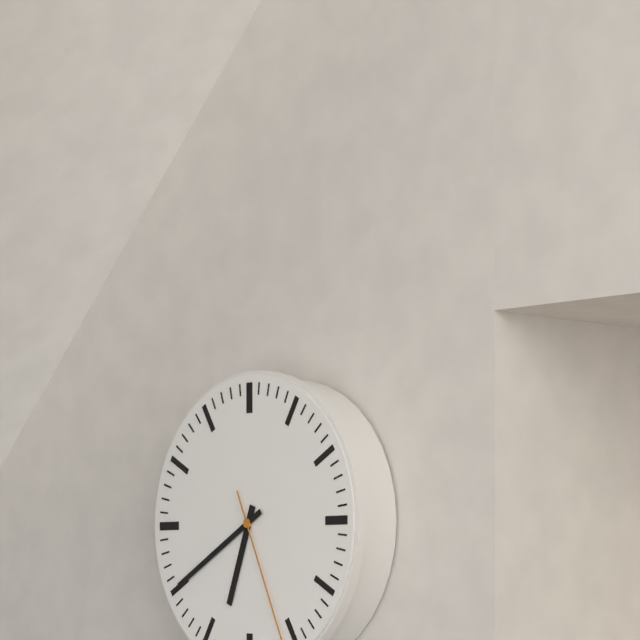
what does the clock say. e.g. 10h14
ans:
6h40
